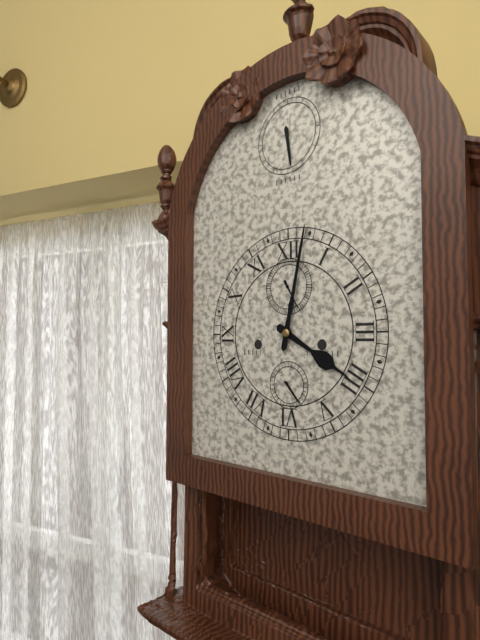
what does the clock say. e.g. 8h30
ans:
4h02
